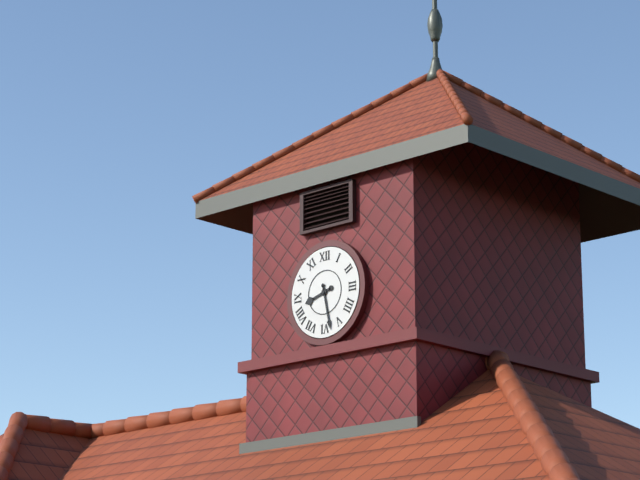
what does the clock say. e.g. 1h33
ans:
8h28
